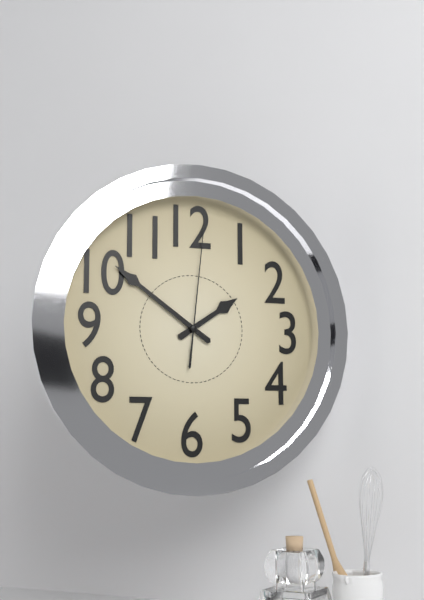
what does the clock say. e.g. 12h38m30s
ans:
1h51m01s
